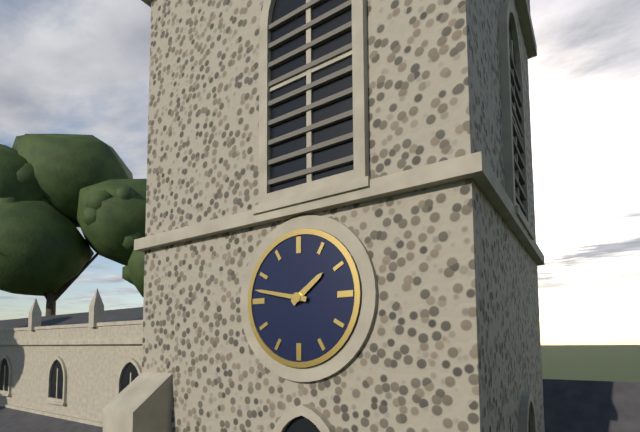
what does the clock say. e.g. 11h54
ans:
1h47
